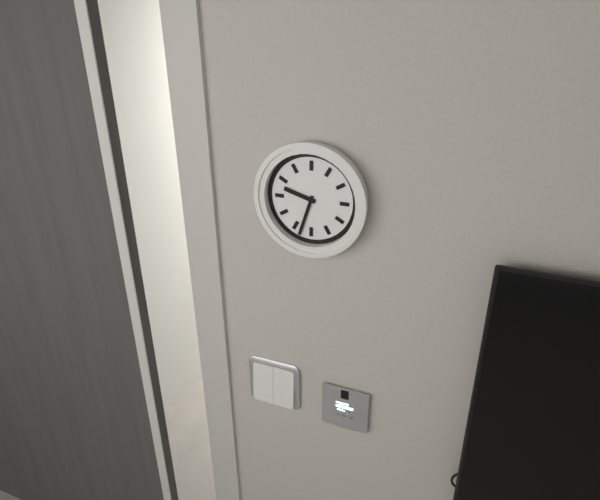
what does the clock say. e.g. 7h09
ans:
9h33
